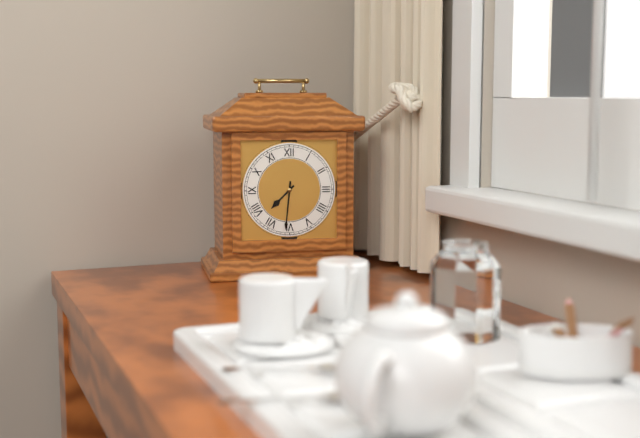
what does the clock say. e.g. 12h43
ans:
7h31
